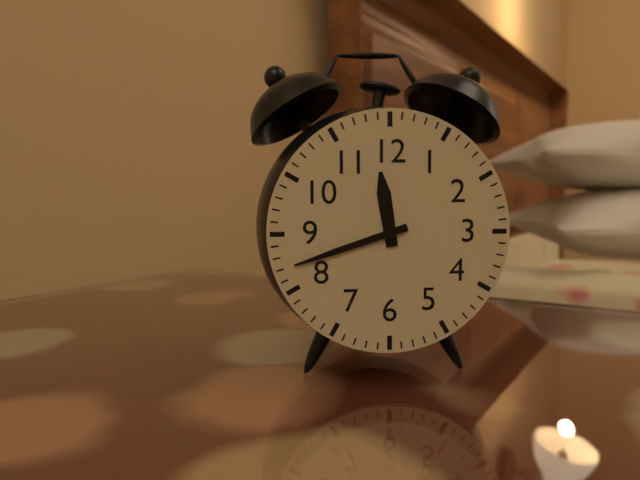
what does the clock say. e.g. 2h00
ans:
11h42
